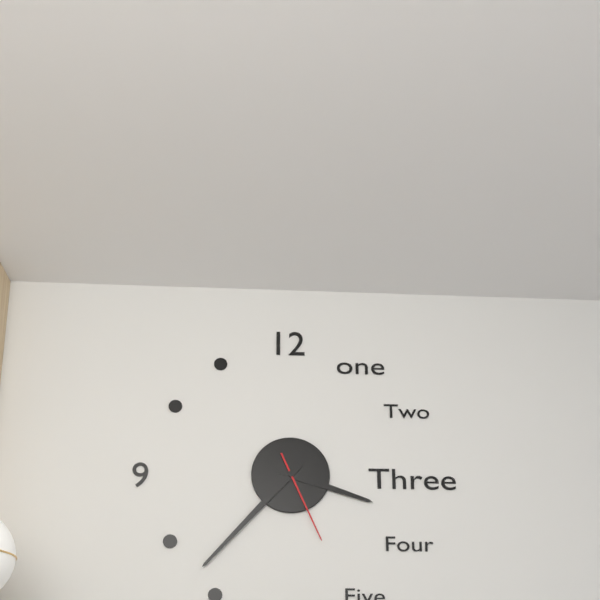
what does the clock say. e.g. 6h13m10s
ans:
3h37m26s
